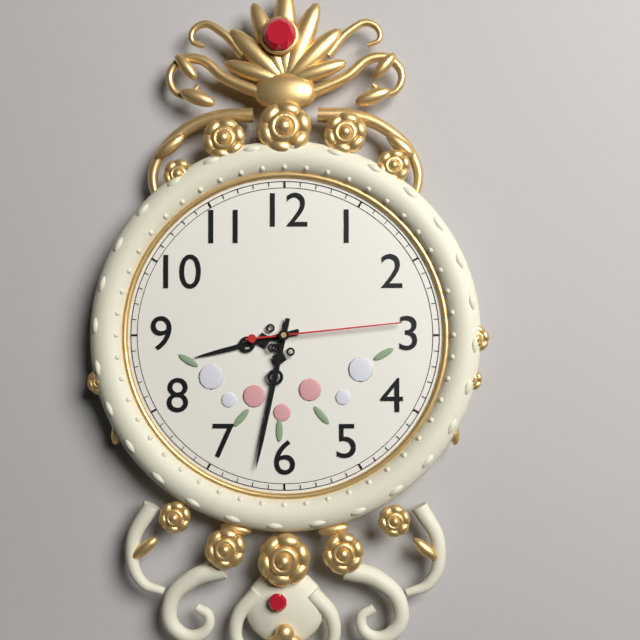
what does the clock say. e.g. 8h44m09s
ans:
8h32m14s
